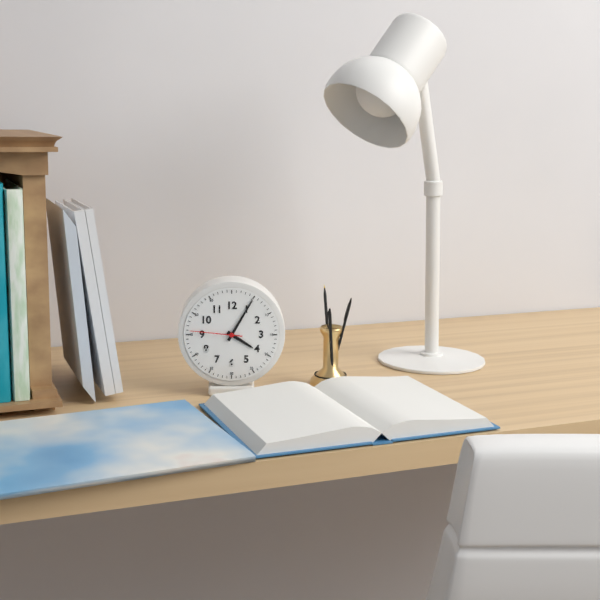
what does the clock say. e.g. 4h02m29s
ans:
4h05m46s
